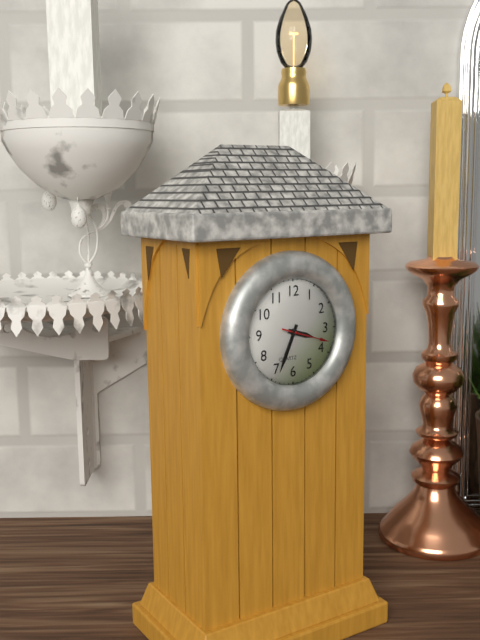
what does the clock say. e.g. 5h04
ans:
3h34
